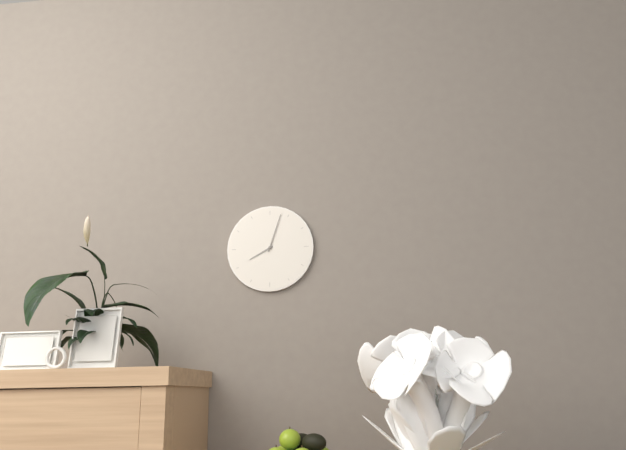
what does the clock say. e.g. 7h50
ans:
8h03
